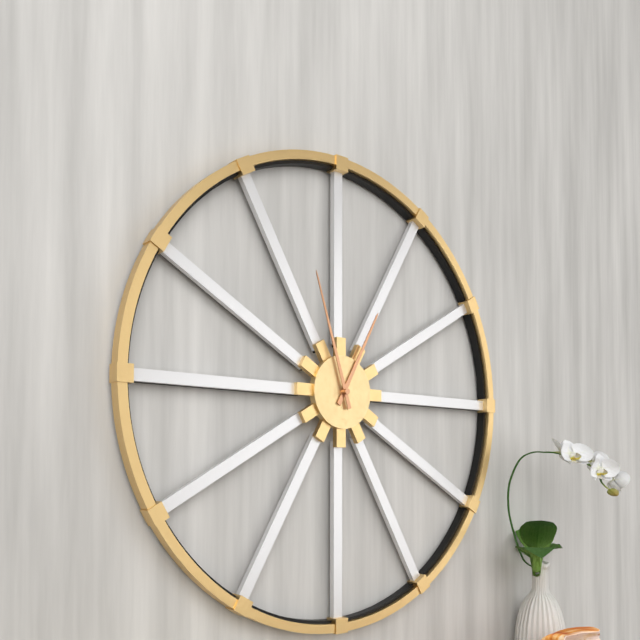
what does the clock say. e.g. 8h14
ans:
12h57
